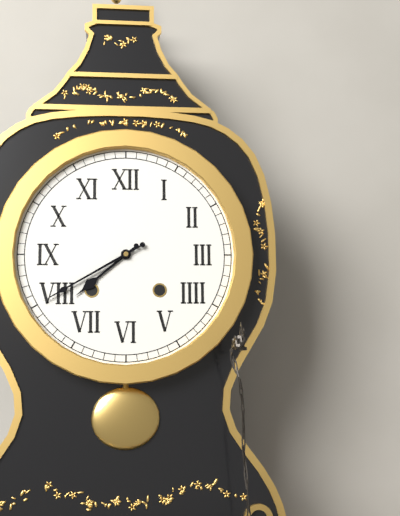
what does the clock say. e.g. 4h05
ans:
7h40
